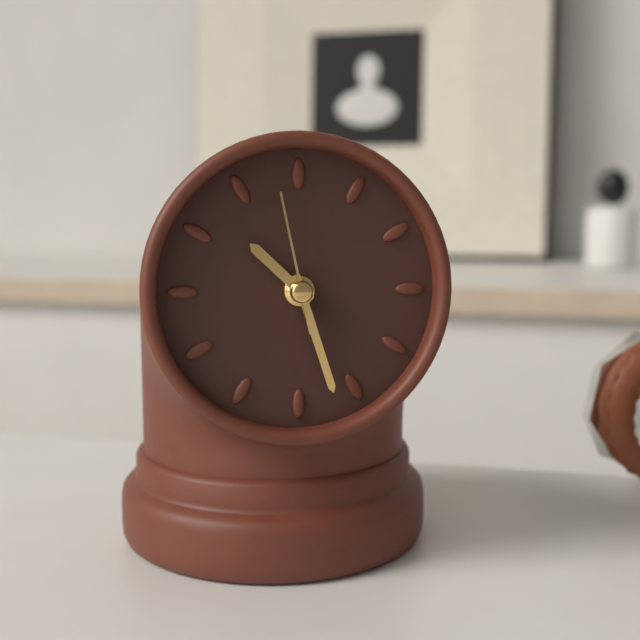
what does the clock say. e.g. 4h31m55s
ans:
10h27m58s
